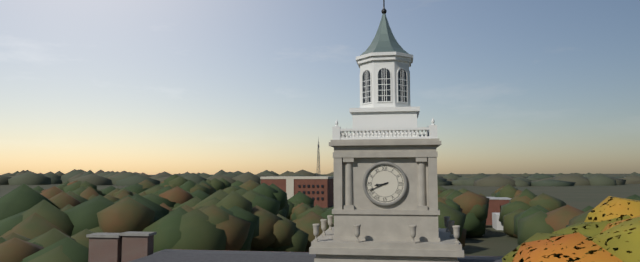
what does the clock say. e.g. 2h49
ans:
8h41
